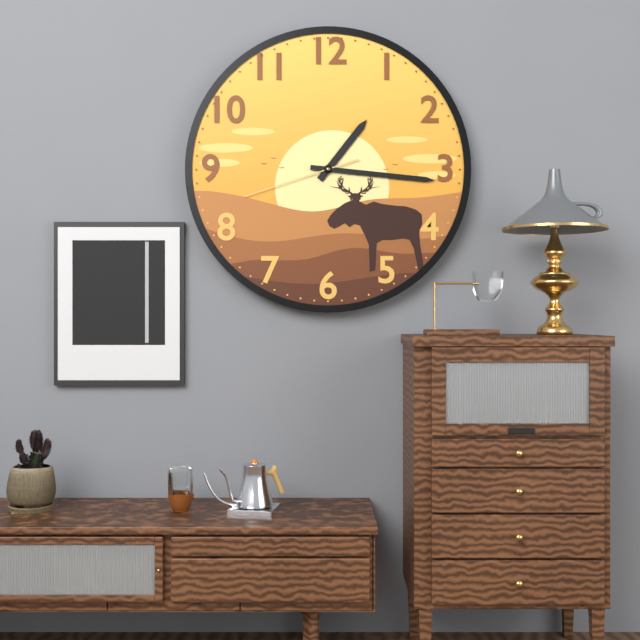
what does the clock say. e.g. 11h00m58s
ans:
1h16m42s
